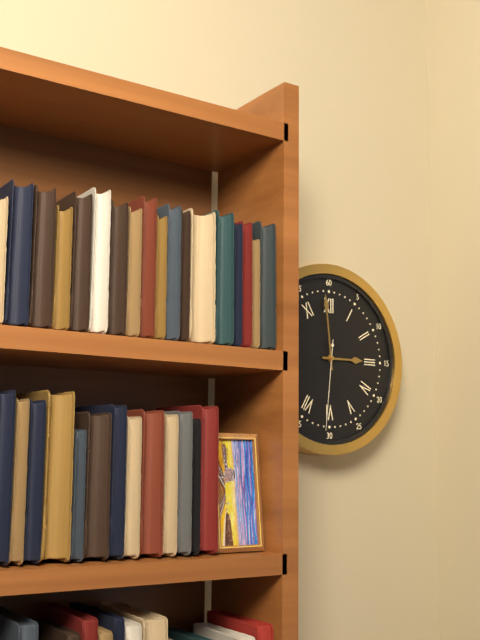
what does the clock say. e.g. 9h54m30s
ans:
2h59m31s
